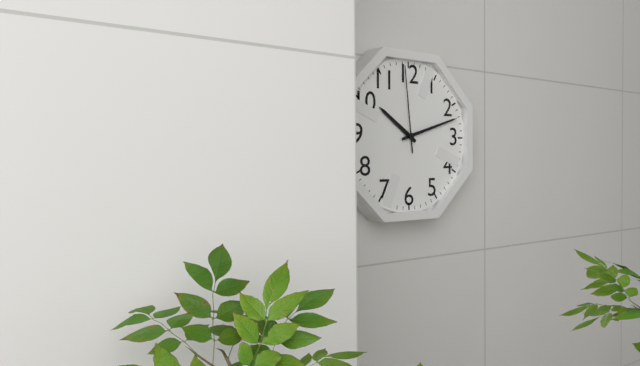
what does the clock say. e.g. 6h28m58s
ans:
10h12m59s
